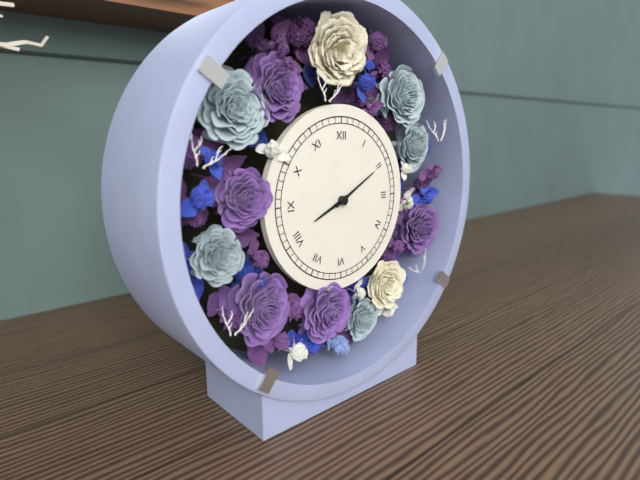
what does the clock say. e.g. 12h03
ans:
8h10
